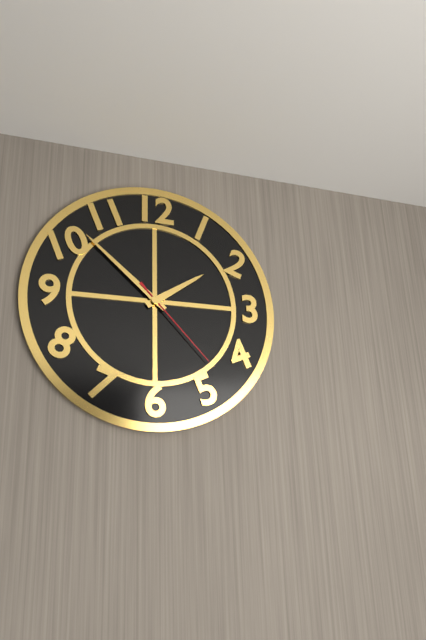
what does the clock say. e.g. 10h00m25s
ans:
1h52m23s
